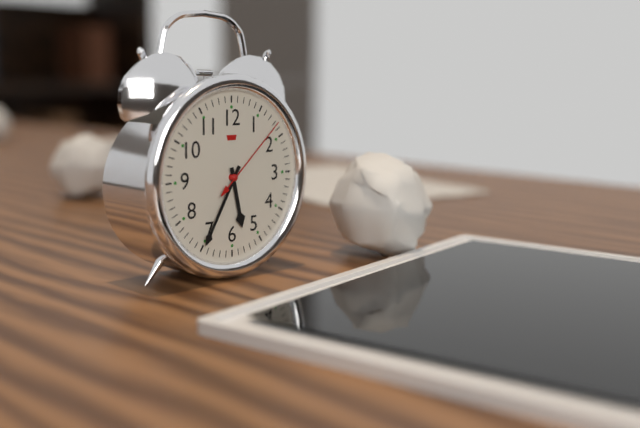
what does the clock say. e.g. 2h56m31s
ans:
5h35m08s
